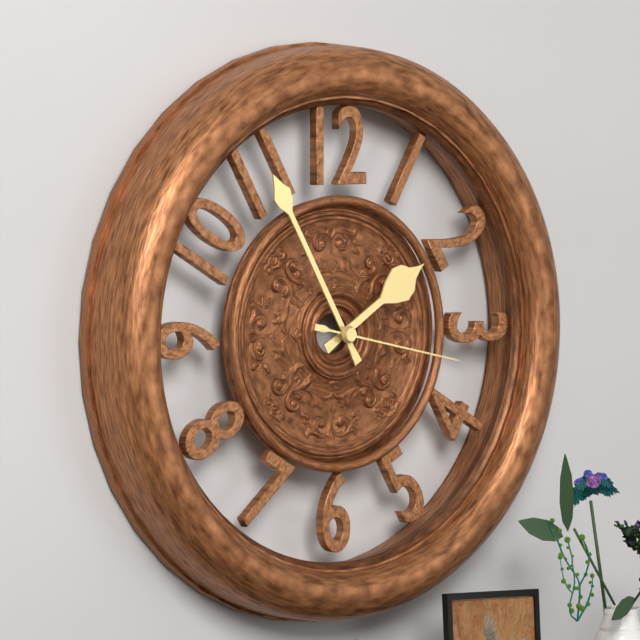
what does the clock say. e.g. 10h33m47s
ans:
1h55m17s
